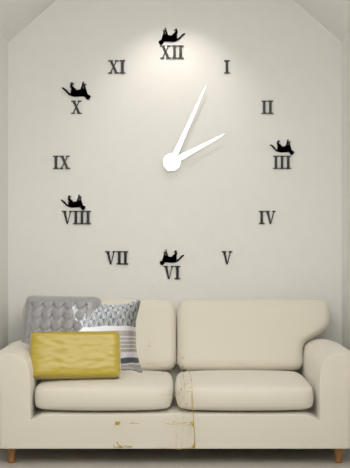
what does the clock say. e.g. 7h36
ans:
2h04
